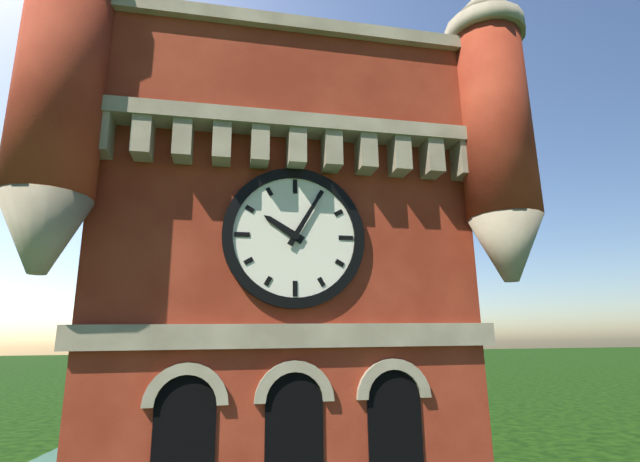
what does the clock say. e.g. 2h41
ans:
10h05
